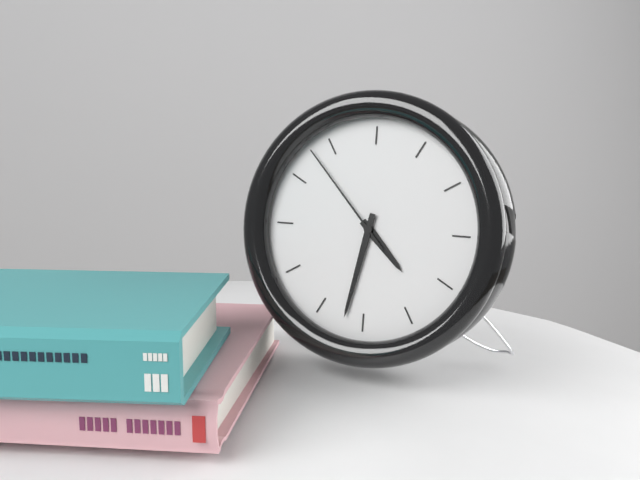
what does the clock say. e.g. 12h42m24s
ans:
4h32m53s
